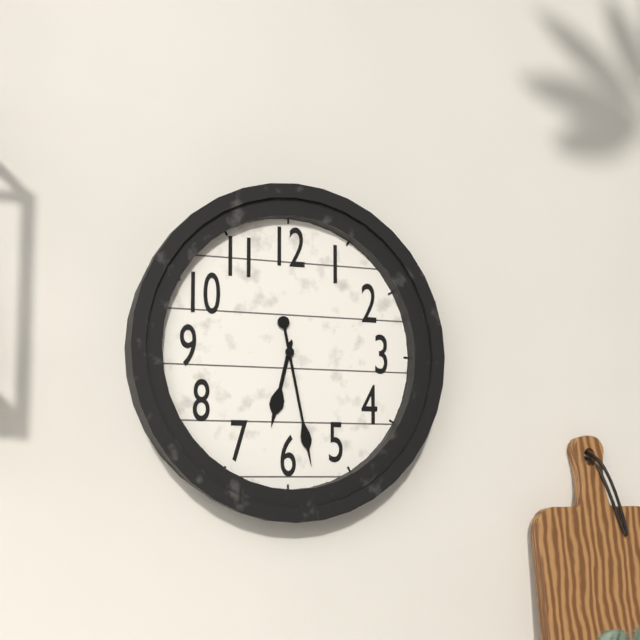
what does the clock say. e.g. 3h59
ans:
6h28
